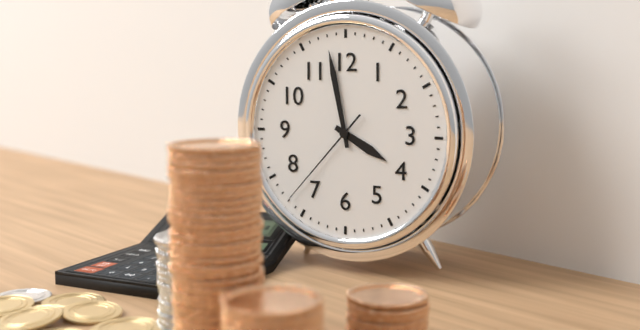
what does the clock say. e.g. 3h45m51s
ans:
3h58m37s
